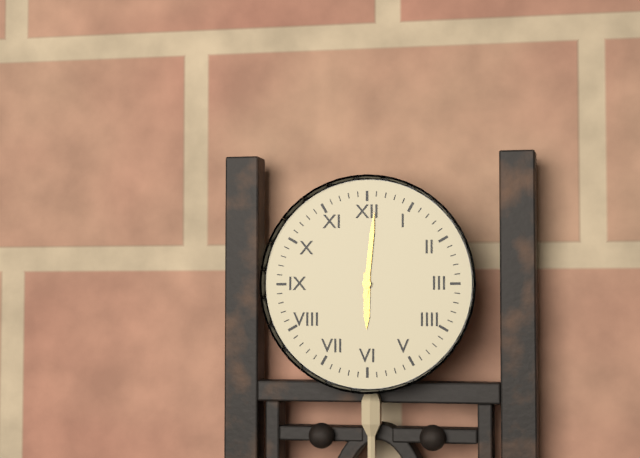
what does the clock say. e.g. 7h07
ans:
6h01
